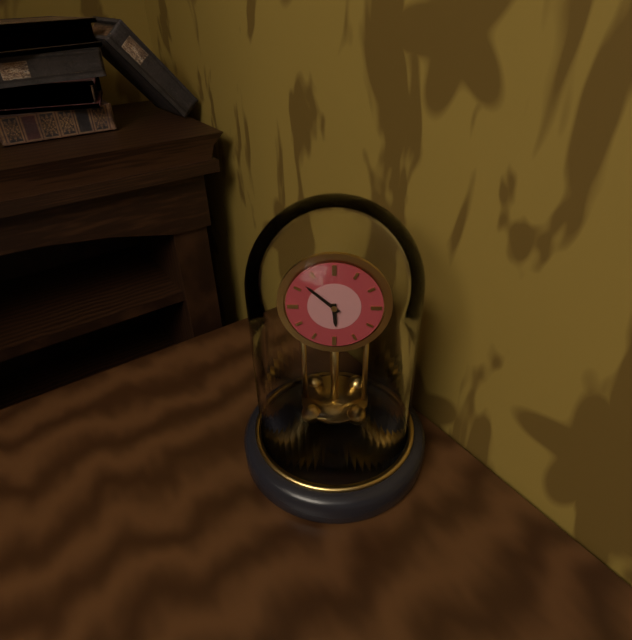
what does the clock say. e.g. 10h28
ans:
5h52
